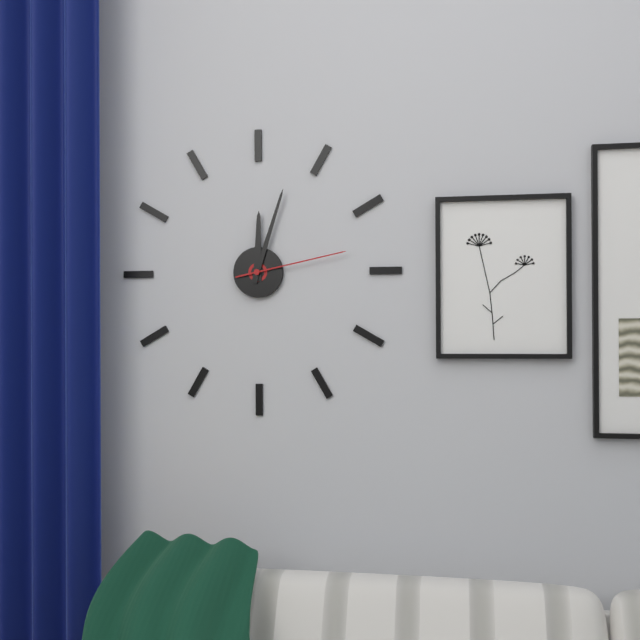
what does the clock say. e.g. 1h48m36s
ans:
12h03m13s
